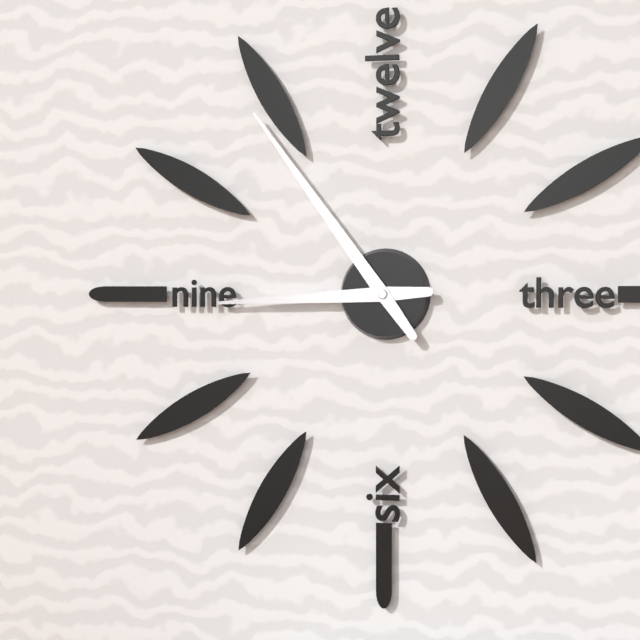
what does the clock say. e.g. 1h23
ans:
8h54
